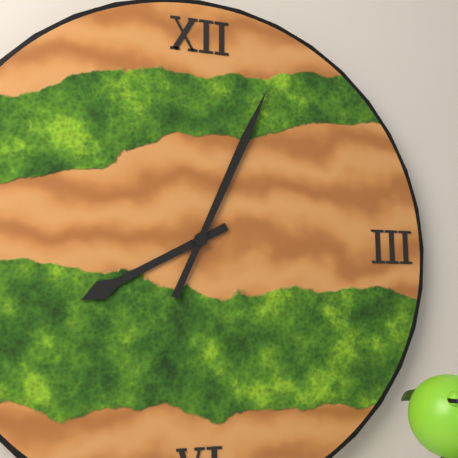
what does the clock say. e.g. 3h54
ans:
8h04
